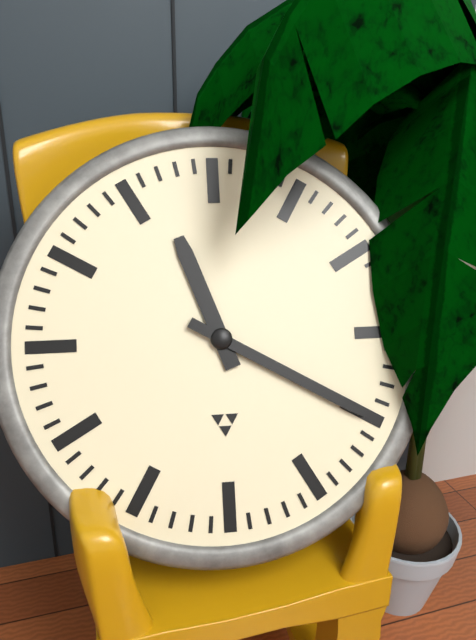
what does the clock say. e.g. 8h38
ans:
11h20
